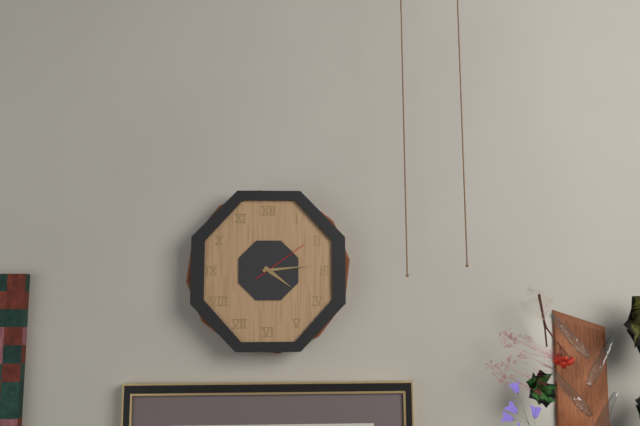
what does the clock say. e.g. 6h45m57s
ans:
4h14m09s
